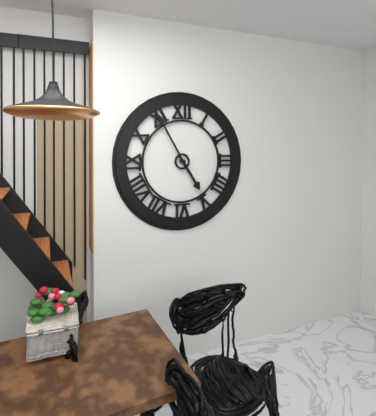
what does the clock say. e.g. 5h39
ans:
4h55
